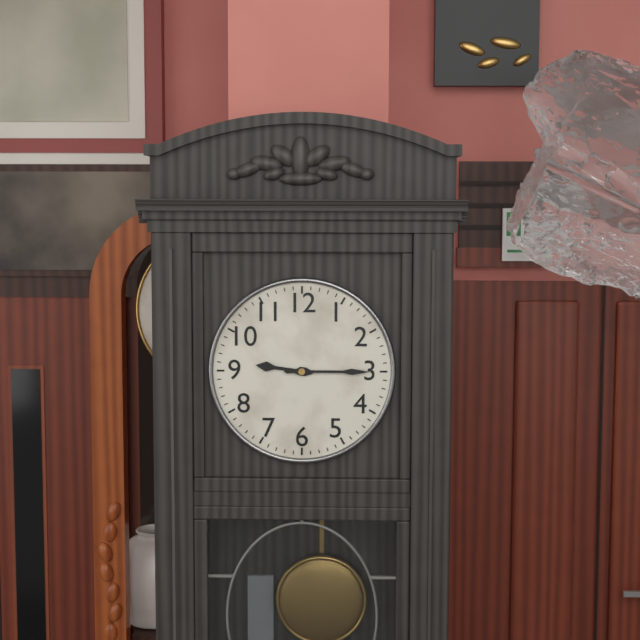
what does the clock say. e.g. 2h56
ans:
9h15
